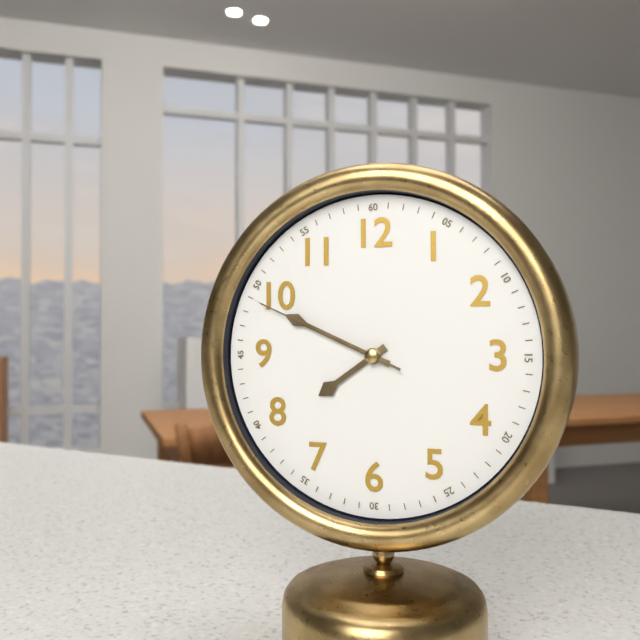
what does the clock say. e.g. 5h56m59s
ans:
7h49m49s
